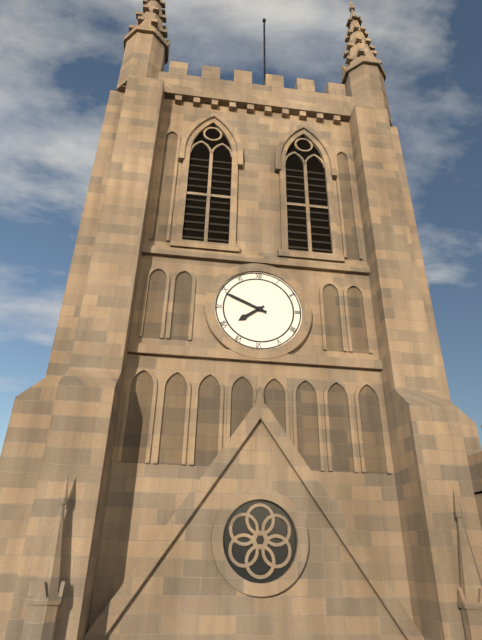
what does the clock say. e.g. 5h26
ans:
7h49
